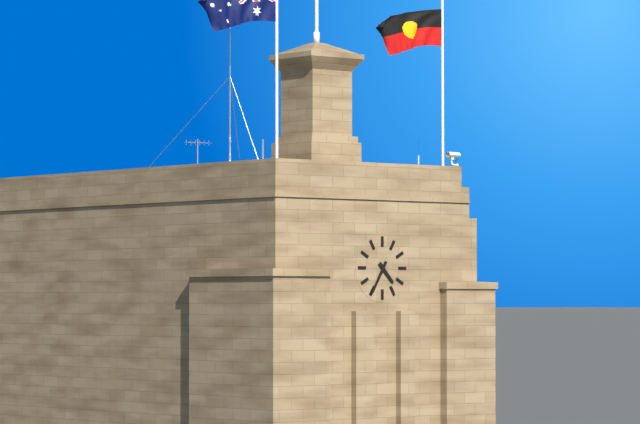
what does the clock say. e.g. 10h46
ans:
4h35
